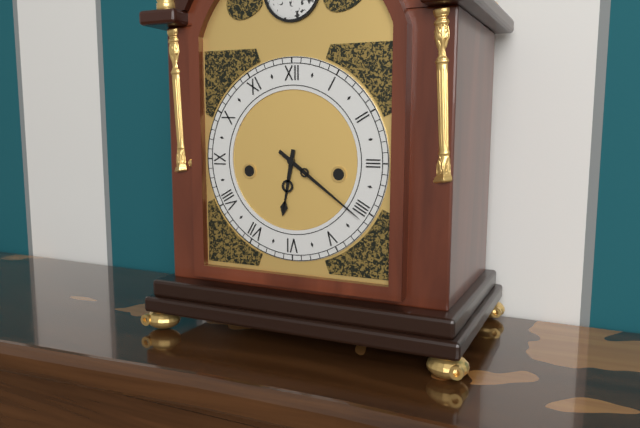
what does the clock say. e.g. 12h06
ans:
6h21
